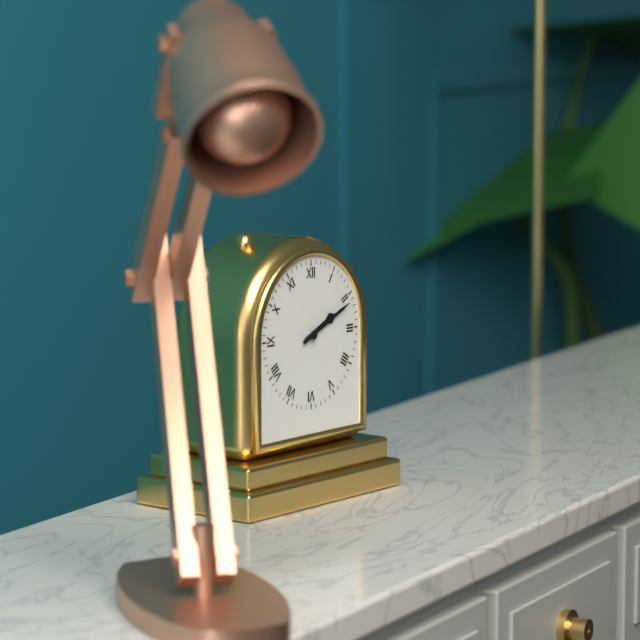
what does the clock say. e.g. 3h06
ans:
2h11
